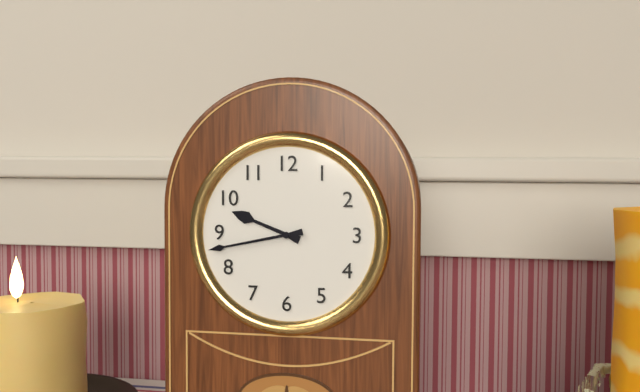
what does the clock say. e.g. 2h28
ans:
9h43
